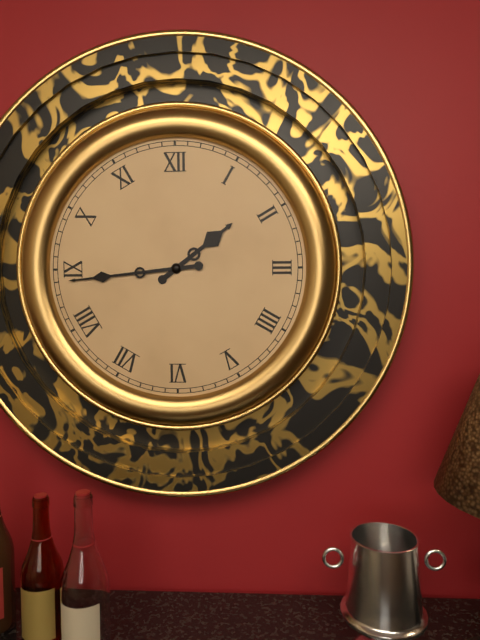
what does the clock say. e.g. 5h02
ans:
1h44
